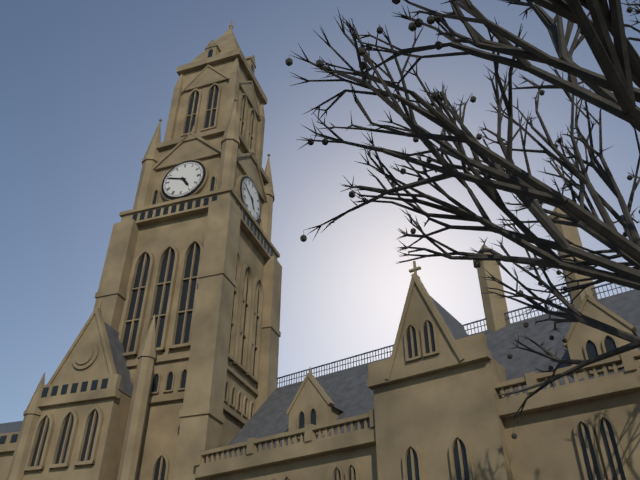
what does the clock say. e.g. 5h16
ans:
4h48
